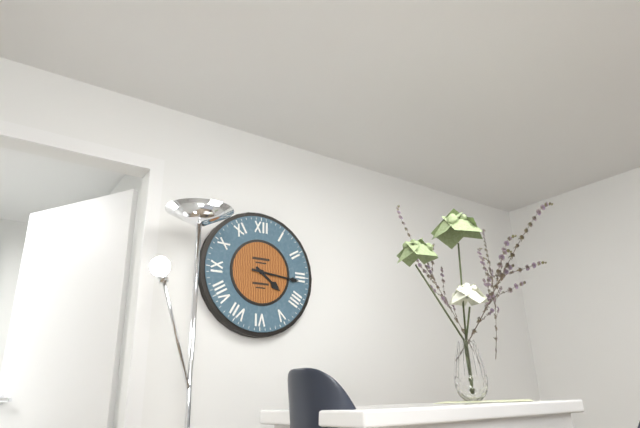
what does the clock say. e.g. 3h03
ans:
4h16
